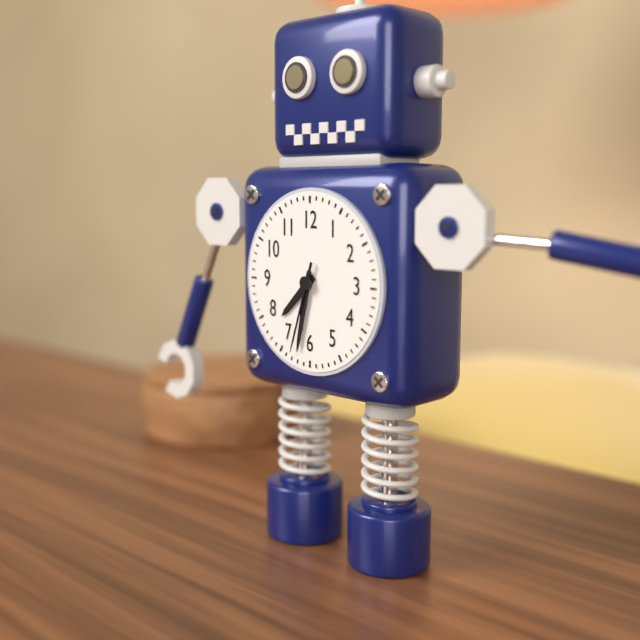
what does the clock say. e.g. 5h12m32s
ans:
7h32m33s
